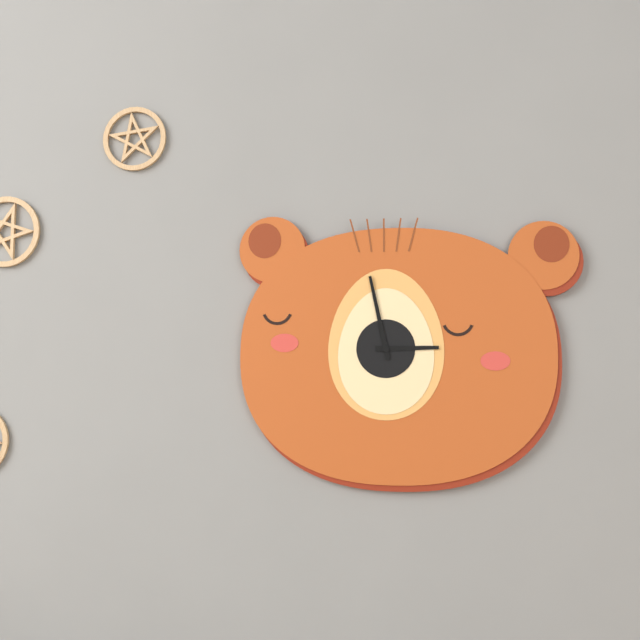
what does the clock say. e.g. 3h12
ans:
2h58
